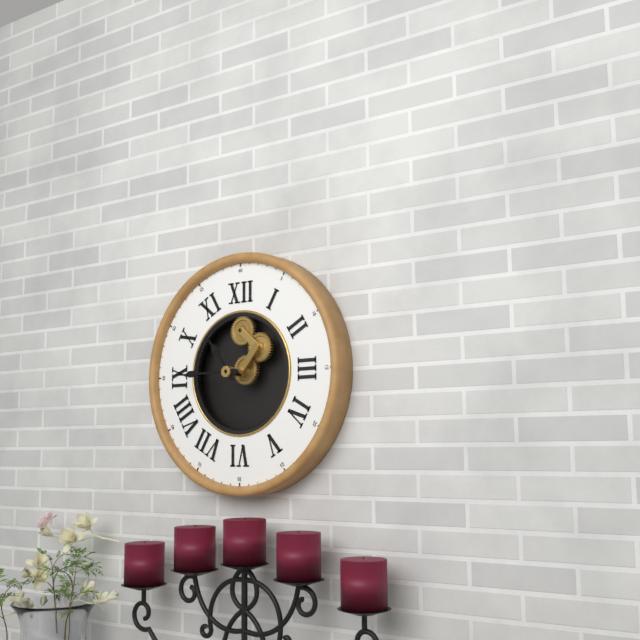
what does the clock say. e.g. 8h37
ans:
10h45
